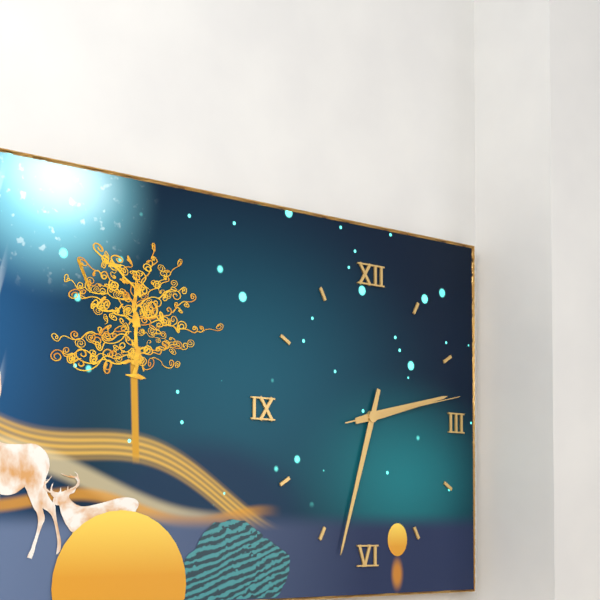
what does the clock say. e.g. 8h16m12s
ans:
2h33m13s
